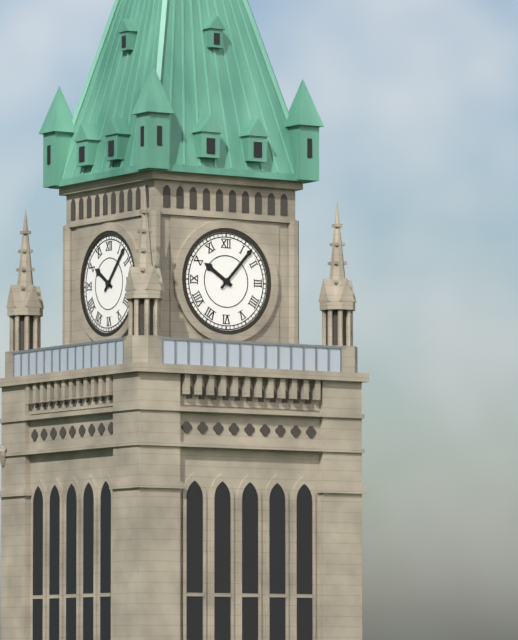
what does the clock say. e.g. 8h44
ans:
10h07
